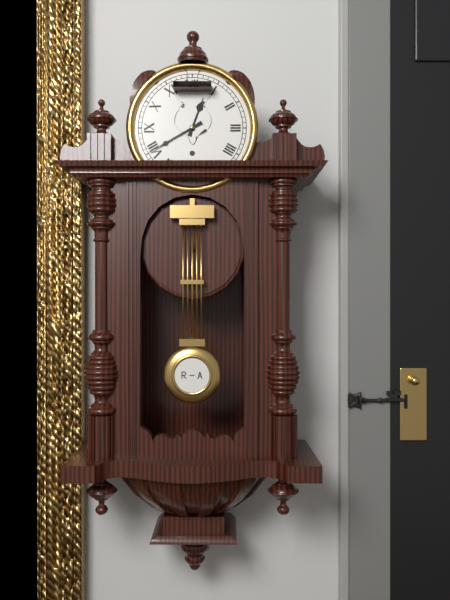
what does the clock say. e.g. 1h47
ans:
12h40
